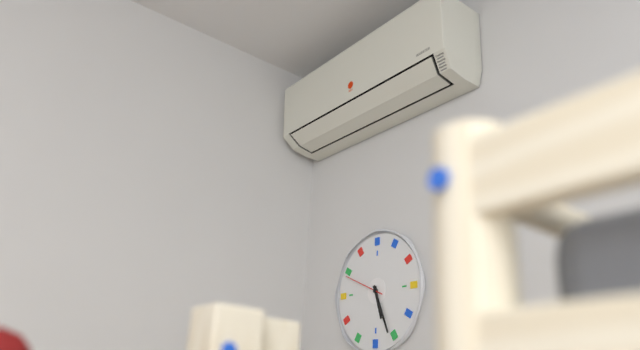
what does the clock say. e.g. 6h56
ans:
5h26
